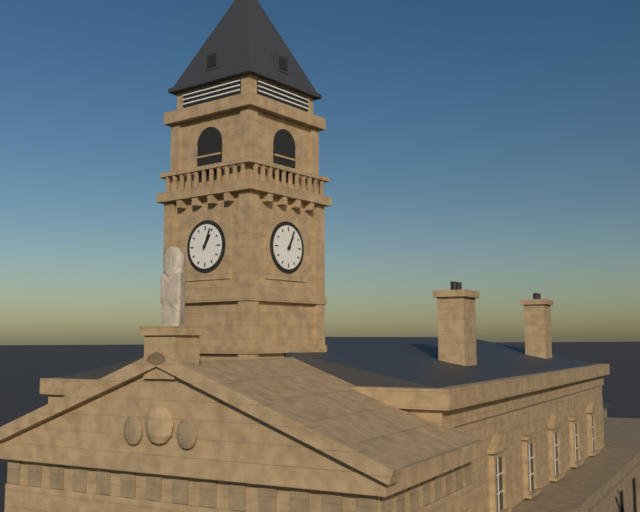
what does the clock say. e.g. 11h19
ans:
1h04
